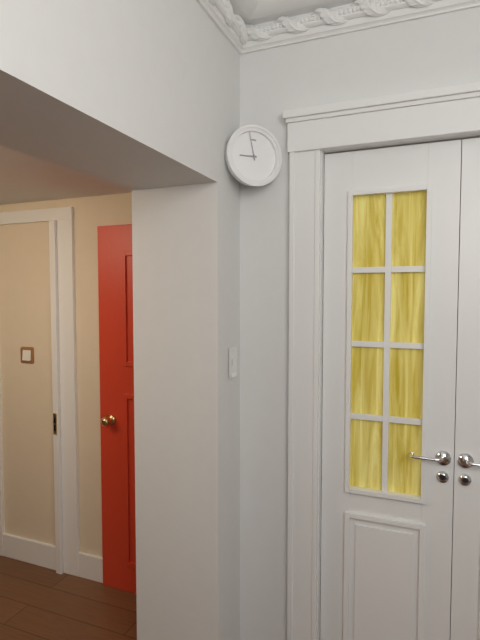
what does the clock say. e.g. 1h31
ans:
8h58
